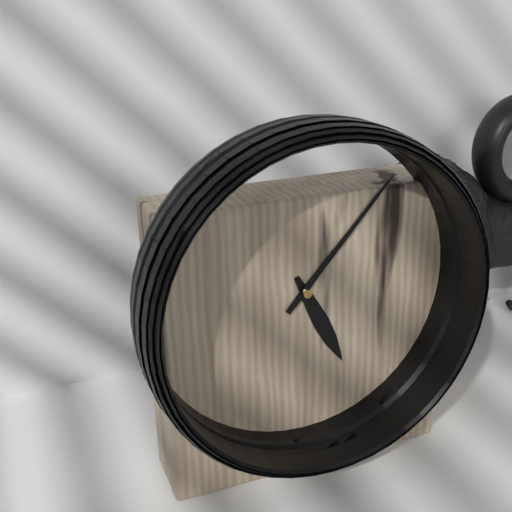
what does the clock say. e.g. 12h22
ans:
5h07
